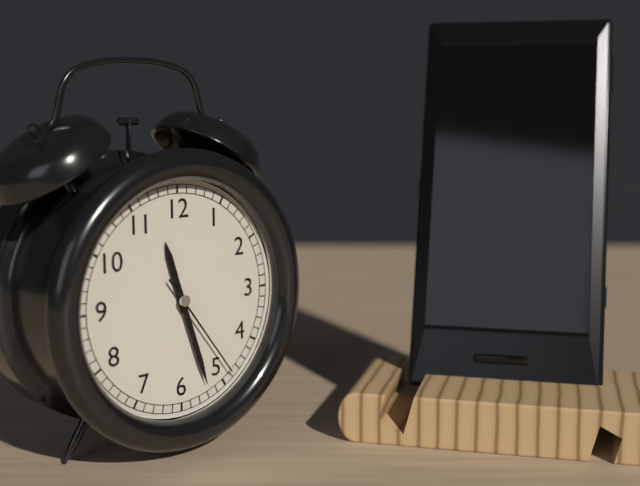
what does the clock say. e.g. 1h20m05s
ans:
11h27m24s
